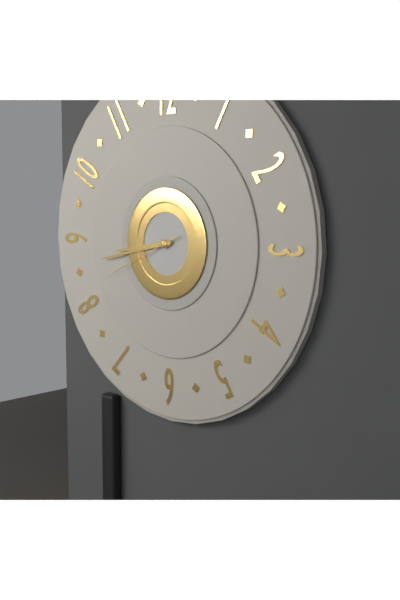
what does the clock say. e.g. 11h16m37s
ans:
8h43m41s
